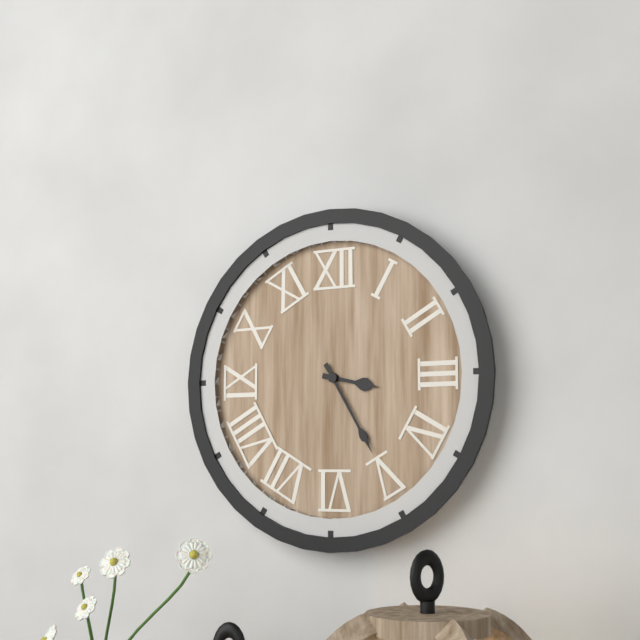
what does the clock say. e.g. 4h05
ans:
3h25
